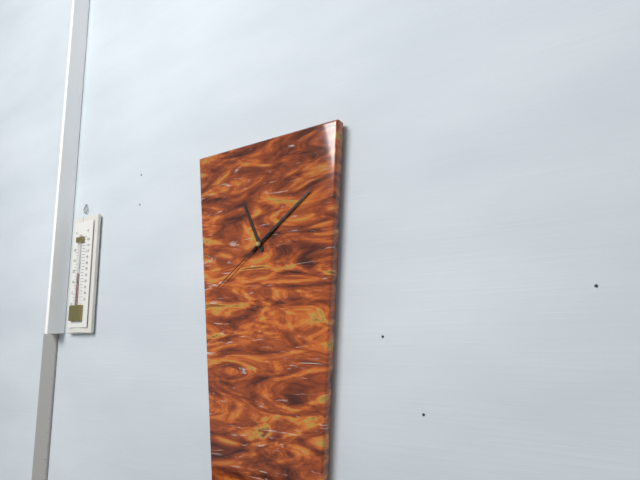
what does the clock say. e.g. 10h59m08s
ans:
11h09m39s
